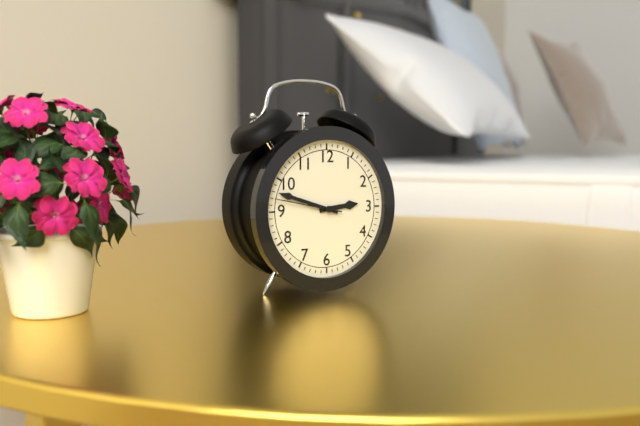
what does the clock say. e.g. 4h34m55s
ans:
2h48m47s
